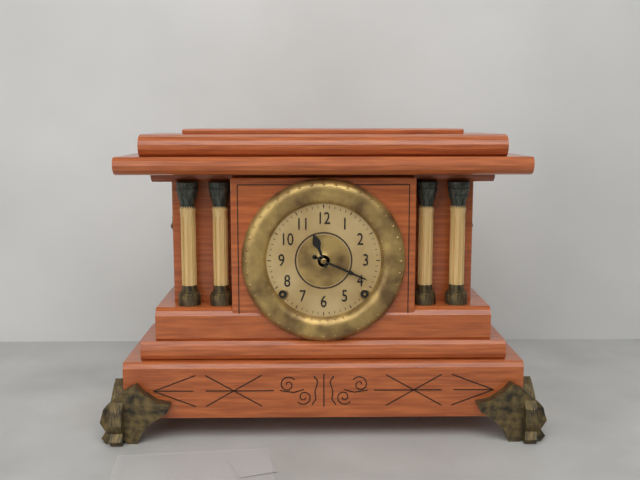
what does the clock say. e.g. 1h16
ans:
11h19
